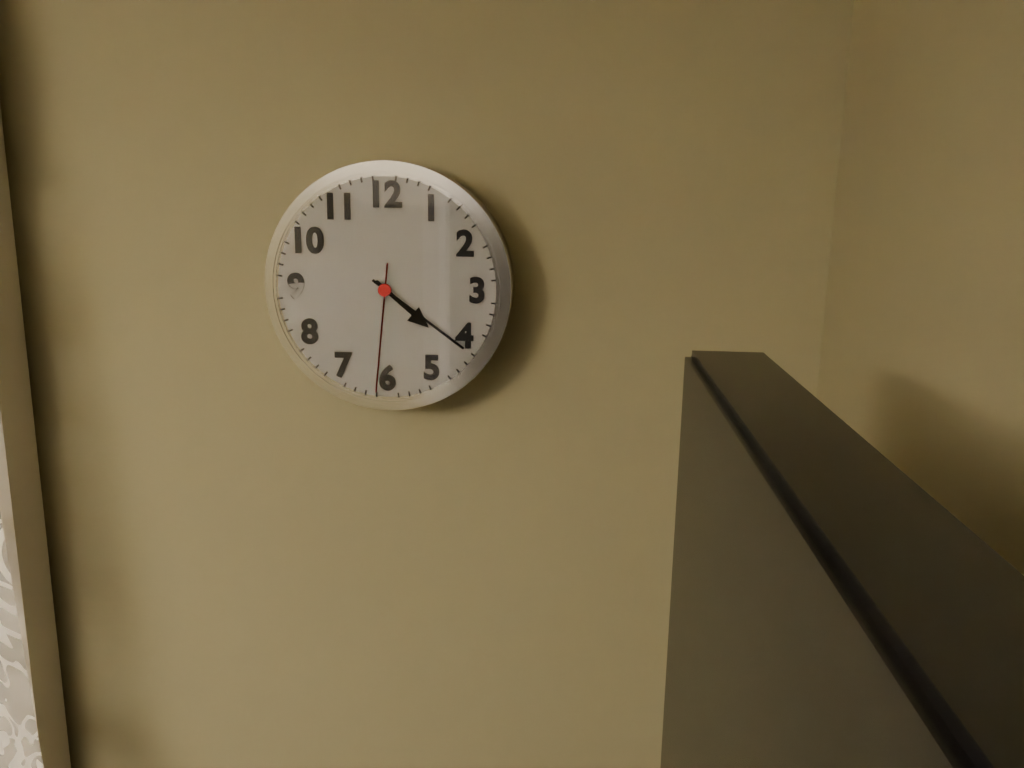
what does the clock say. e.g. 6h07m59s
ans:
4h21m31s
